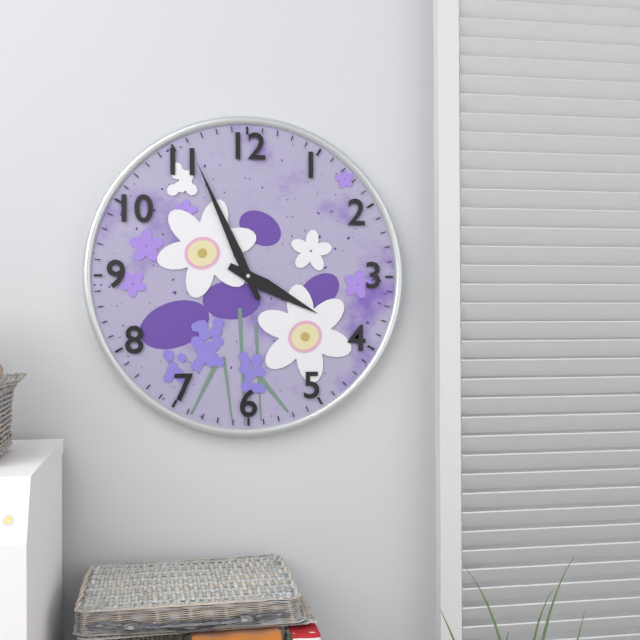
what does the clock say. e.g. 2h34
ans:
3h56
